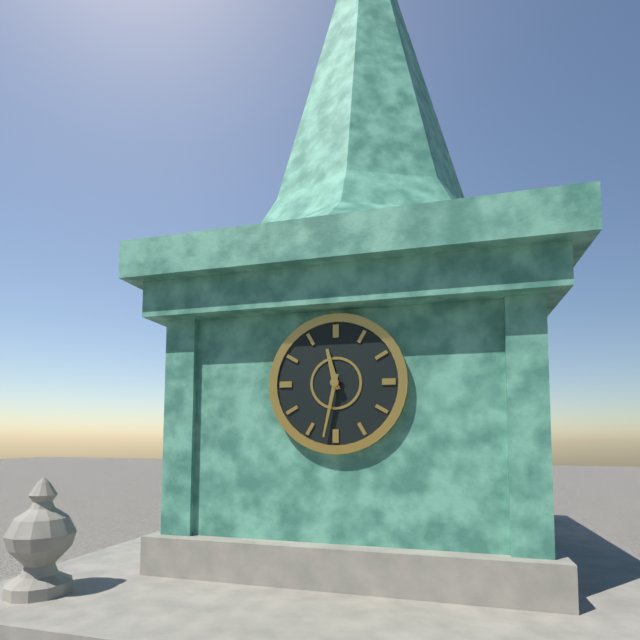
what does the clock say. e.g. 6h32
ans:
11h32
